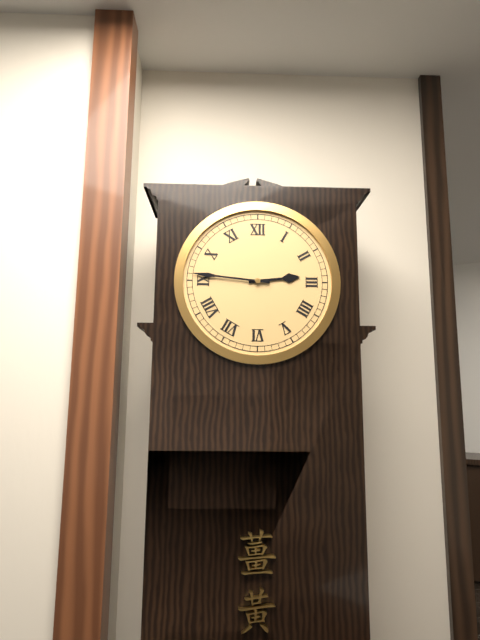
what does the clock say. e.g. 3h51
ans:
2h46
